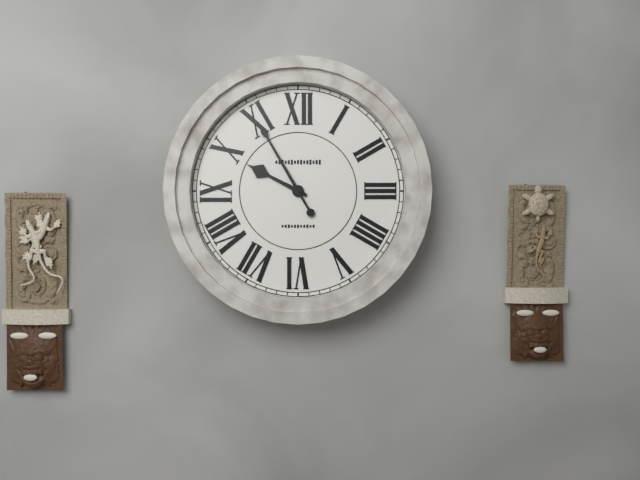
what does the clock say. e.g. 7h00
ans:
9h55
